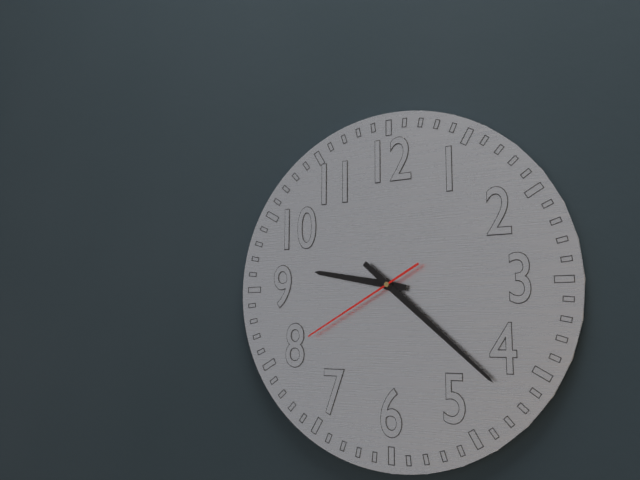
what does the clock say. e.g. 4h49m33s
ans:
9h22m40s
